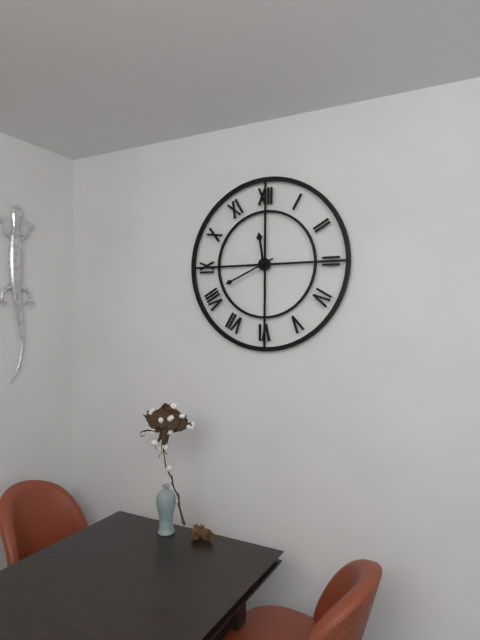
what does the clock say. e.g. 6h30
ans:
11h41
